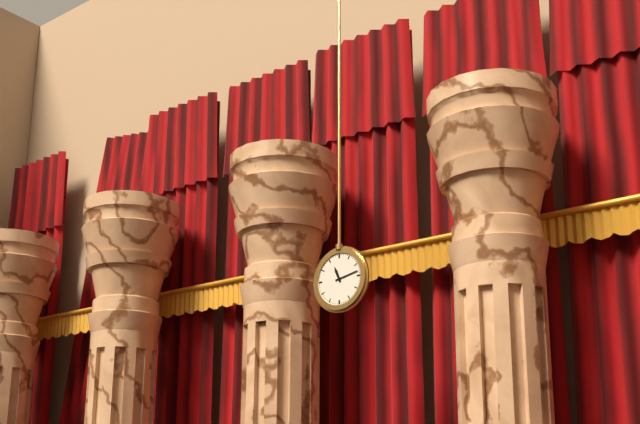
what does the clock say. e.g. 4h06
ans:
11h13
